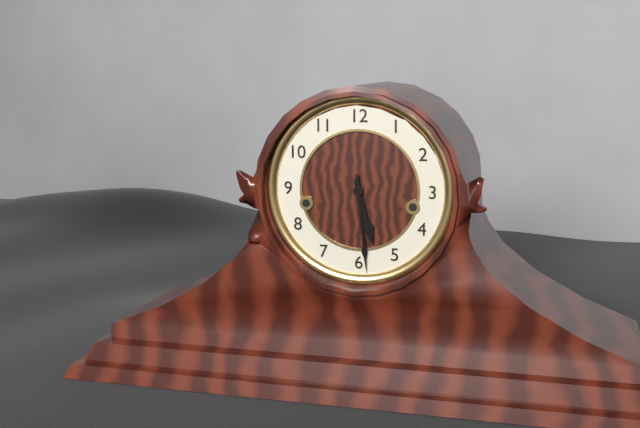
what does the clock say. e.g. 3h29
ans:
5h29
